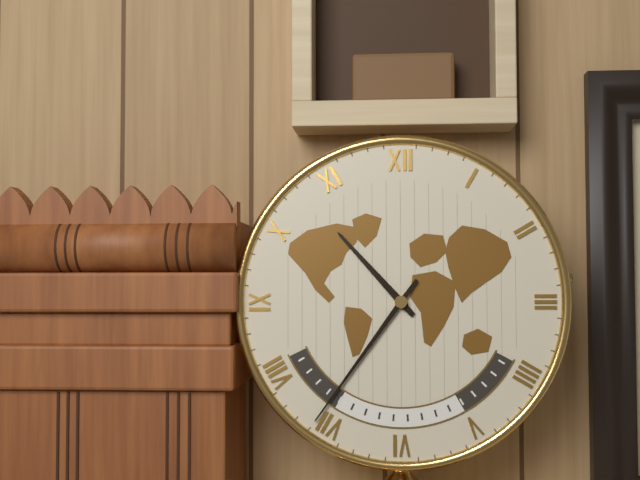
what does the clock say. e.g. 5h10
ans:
10h36
